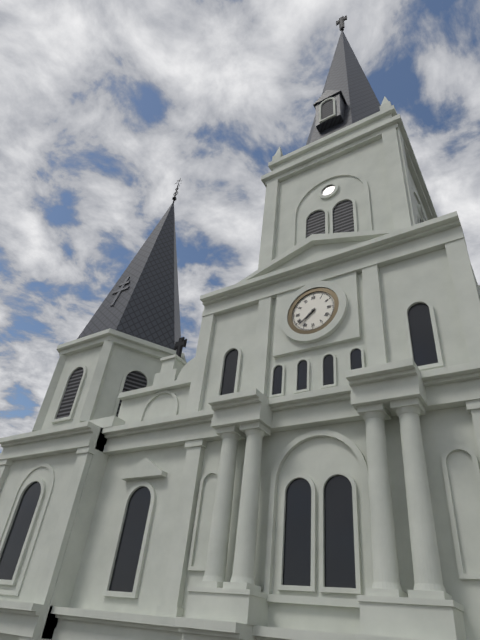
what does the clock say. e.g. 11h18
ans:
7h38
